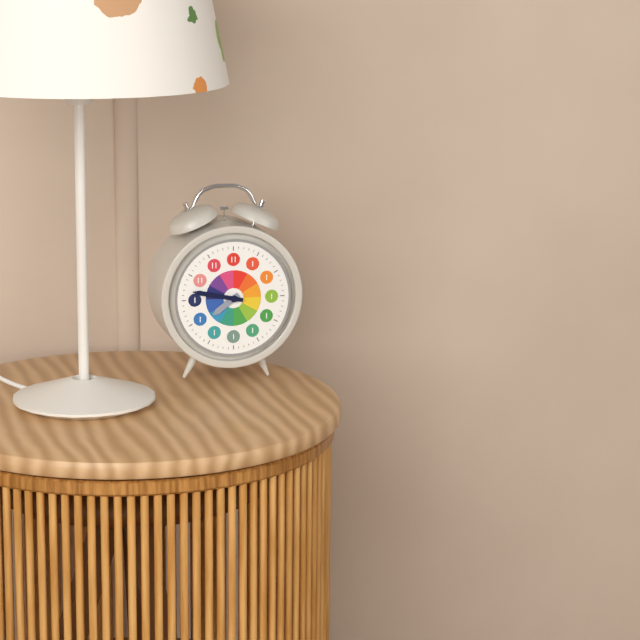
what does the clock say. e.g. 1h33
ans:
7h47
